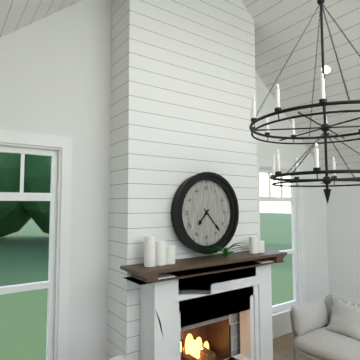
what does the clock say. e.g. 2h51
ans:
7h23
